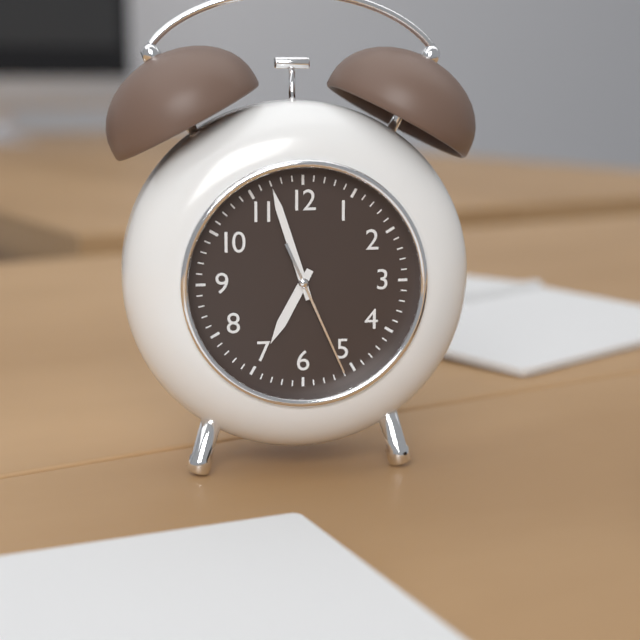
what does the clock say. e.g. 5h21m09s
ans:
6h57m26s
